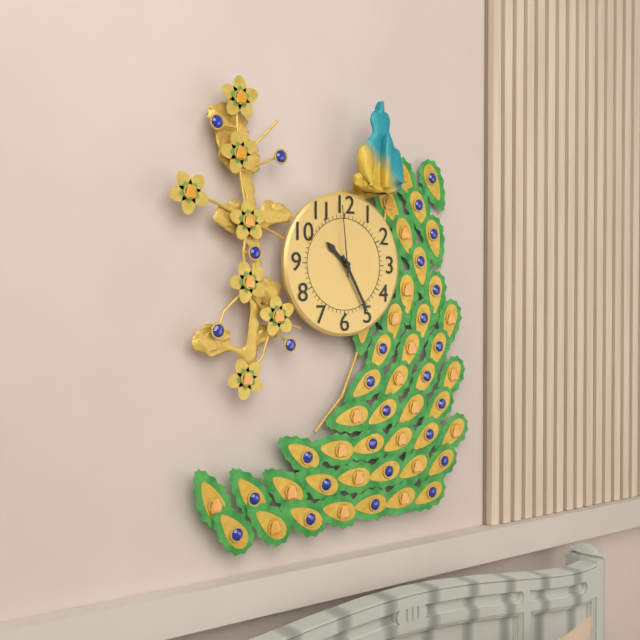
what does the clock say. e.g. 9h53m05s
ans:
10h25m59s
